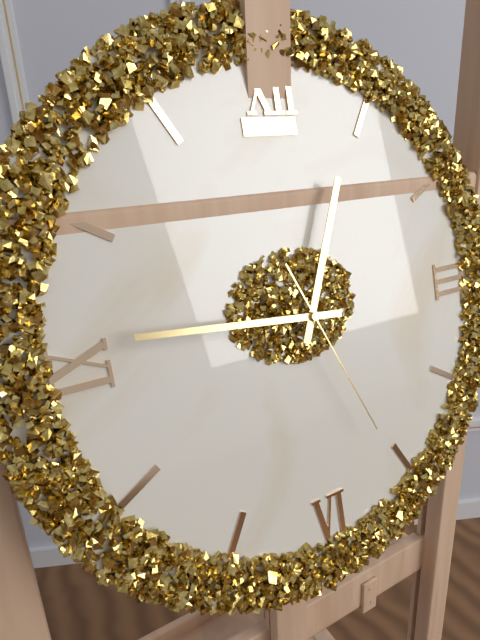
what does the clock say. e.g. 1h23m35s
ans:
12h46m26s
